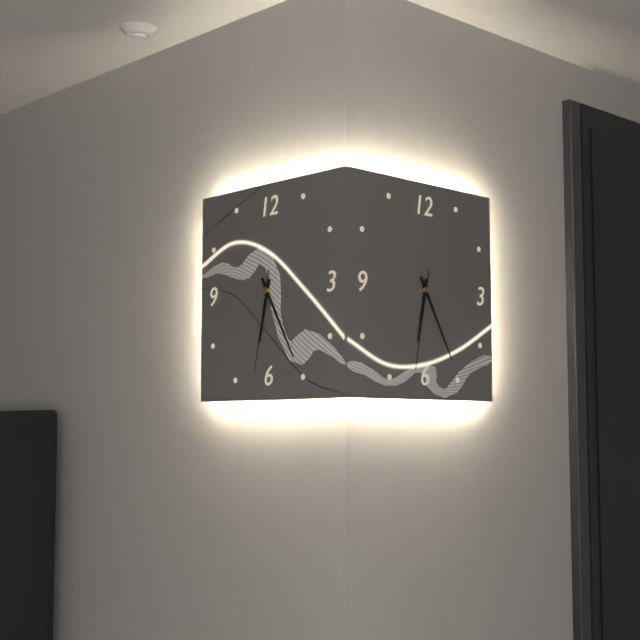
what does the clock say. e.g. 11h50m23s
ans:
6h25m32s
